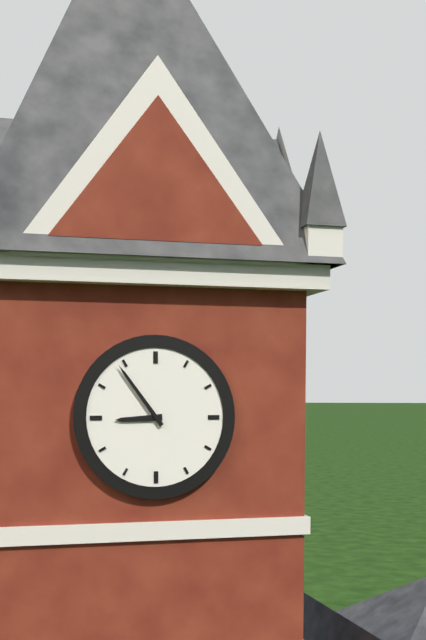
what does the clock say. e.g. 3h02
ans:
8h54
